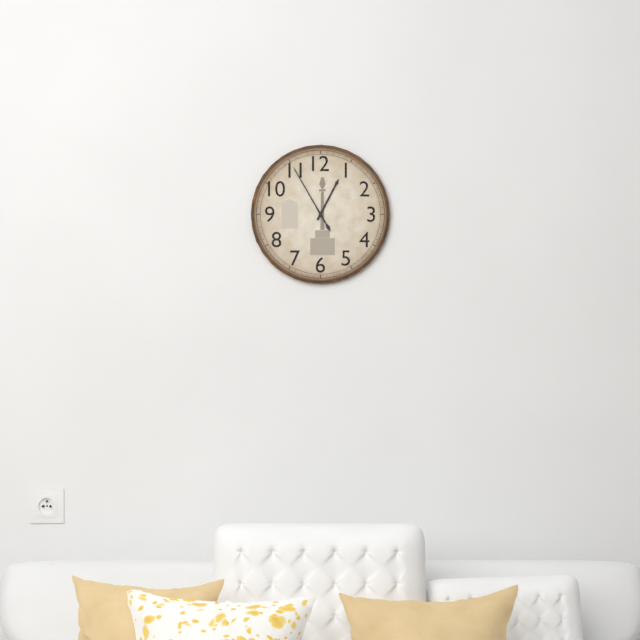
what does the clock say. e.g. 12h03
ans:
12h55
